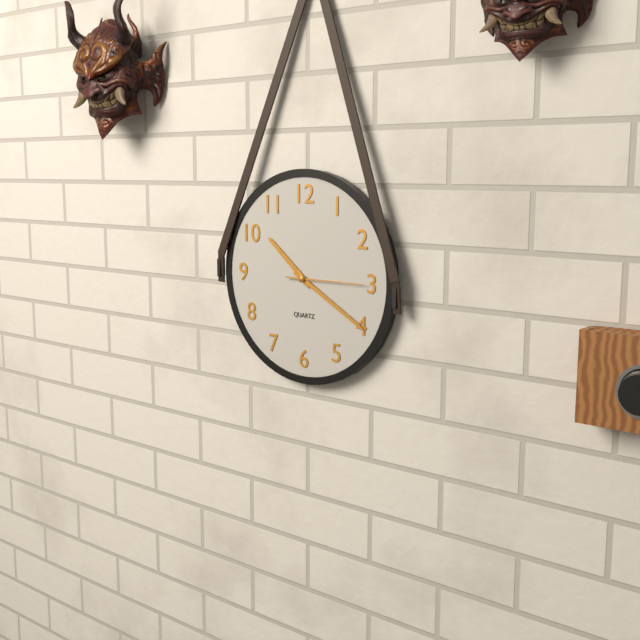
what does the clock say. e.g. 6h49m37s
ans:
10h20m15s
